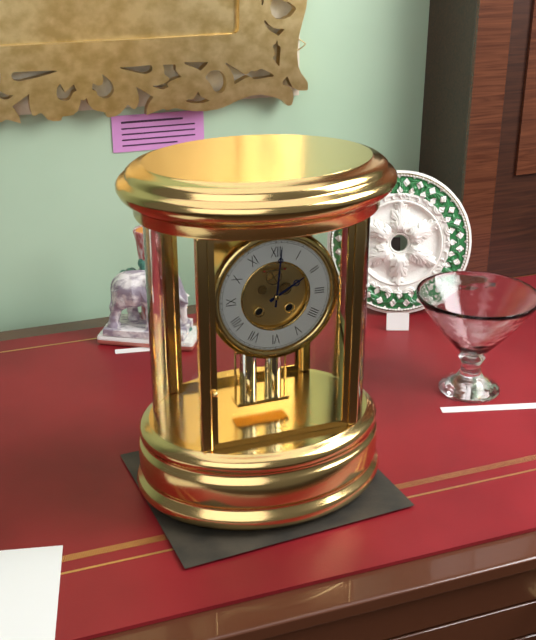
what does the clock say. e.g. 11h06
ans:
2h01
